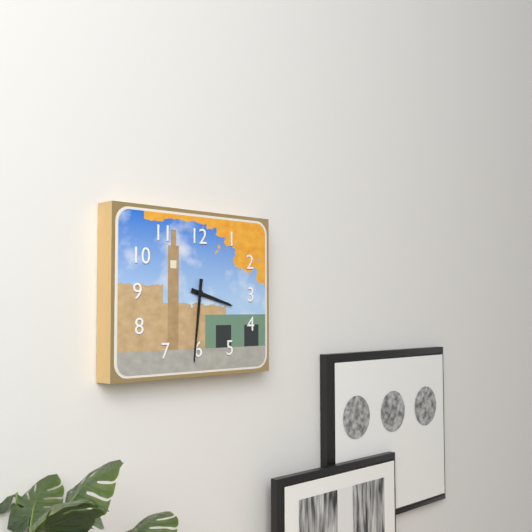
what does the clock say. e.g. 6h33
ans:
3h31
